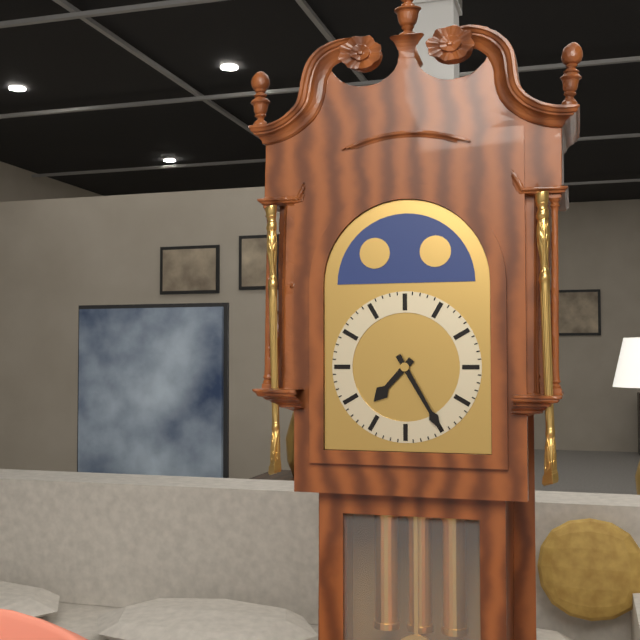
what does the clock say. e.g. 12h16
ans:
7h25
